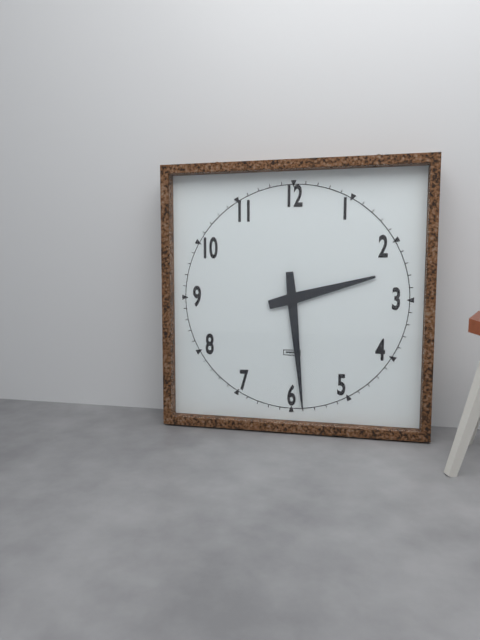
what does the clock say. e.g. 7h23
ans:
2h29
